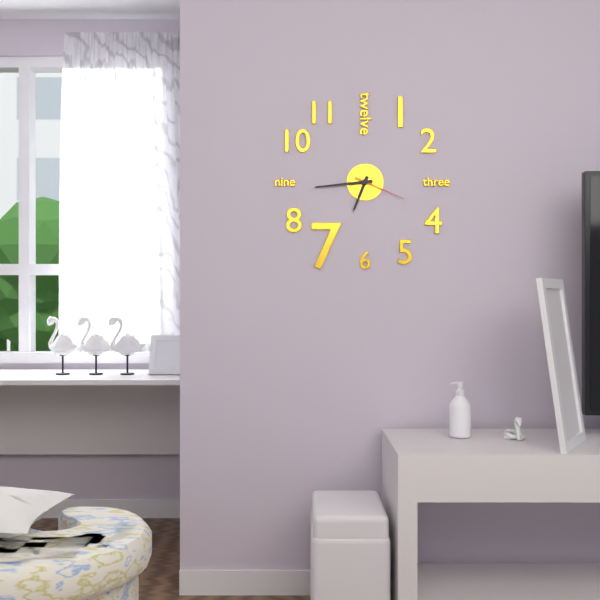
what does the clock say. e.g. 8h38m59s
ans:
6h44m19s
